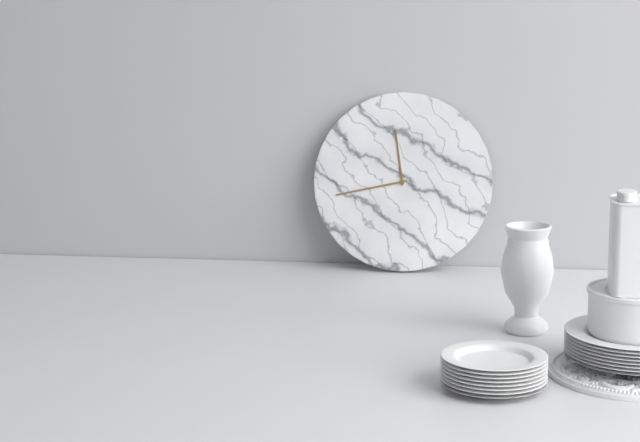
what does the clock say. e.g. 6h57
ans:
11h43
